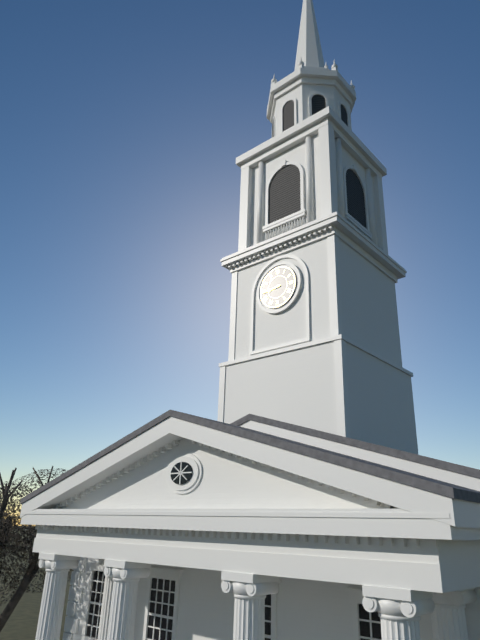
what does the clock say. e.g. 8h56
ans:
8h44
